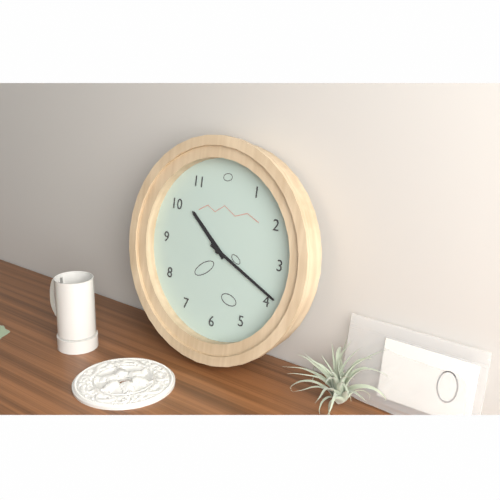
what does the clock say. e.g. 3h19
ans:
10h19
